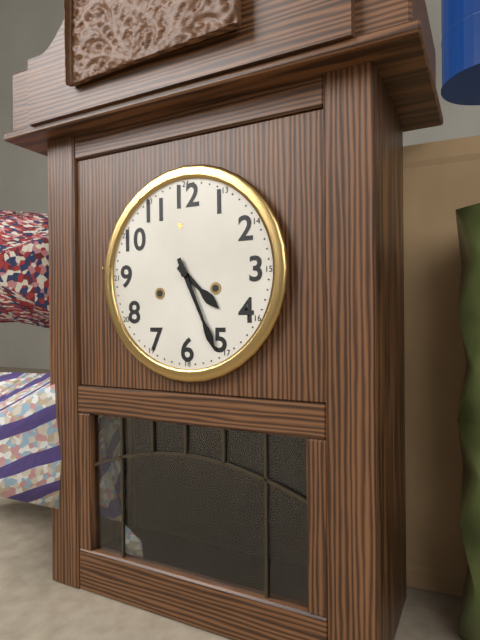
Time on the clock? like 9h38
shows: 4h26
